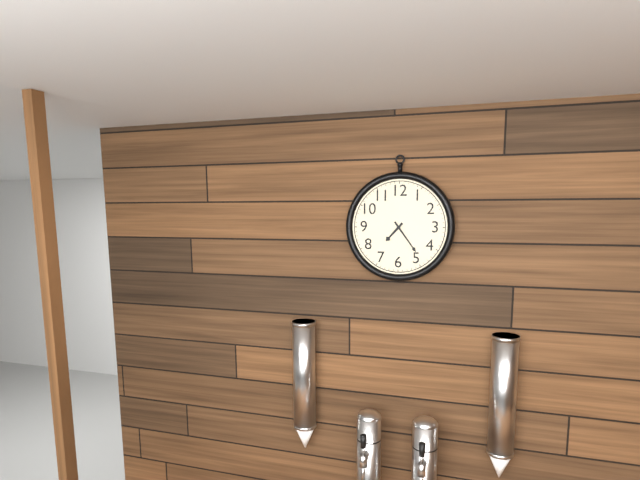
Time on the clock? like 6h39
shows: 7h24
